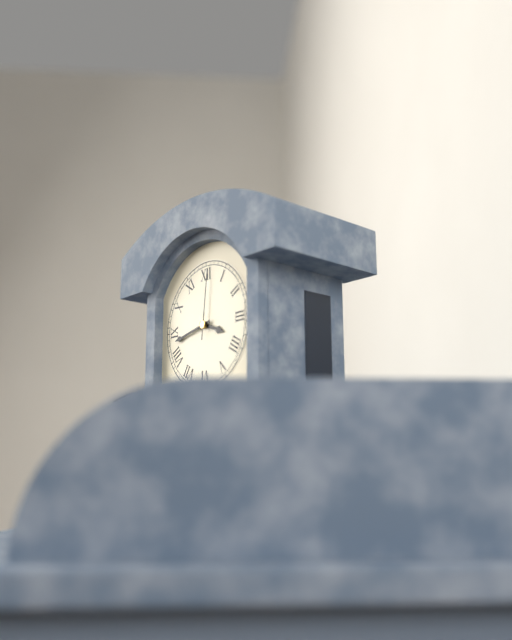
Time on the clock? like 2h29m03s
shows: 3h43m01s
